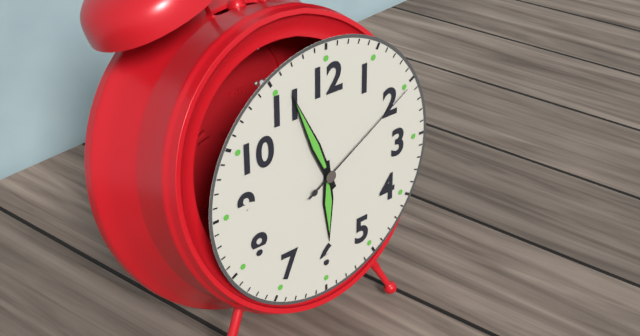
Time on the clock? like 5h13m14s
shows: 5h56m10s
